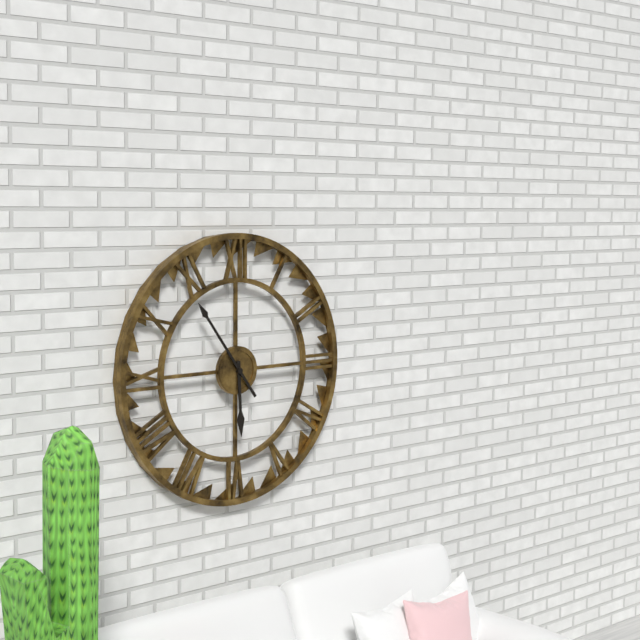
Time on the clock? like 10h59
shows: 5h54
